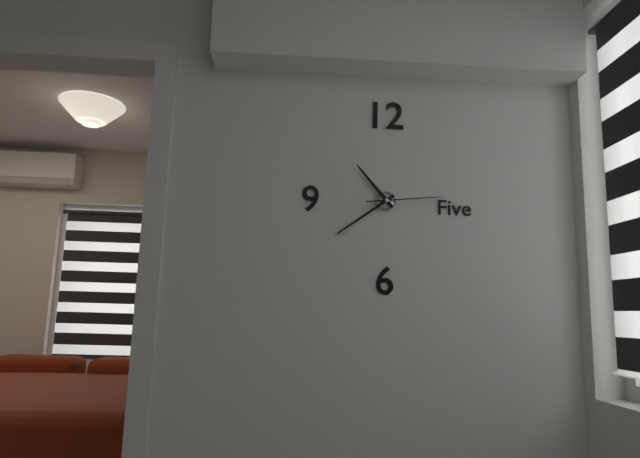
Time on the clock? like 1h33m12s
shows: 10h39m14s
